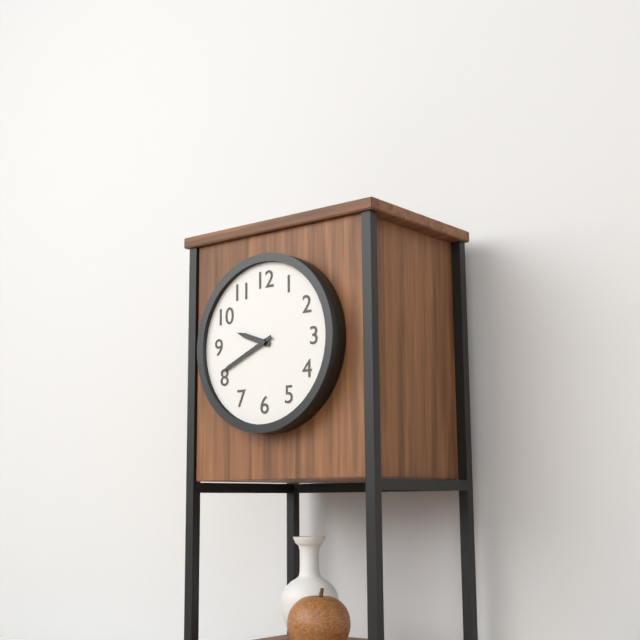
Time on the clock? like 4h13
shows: 9h41
